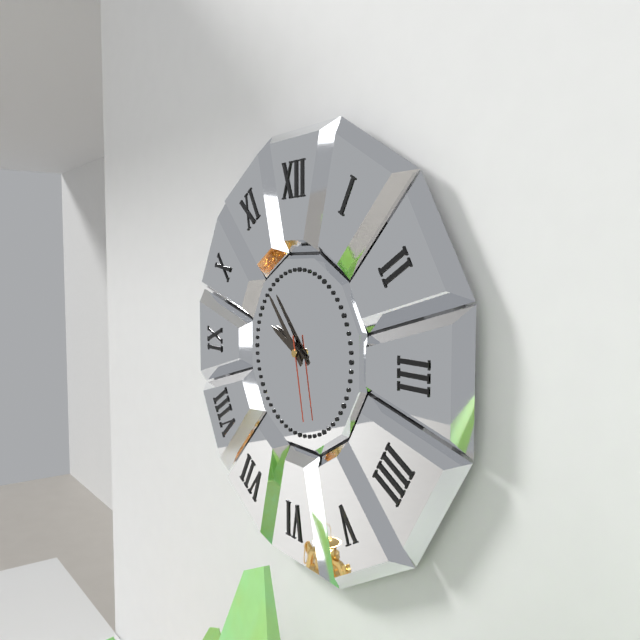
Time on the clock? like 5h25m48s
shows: 9h53m28s
